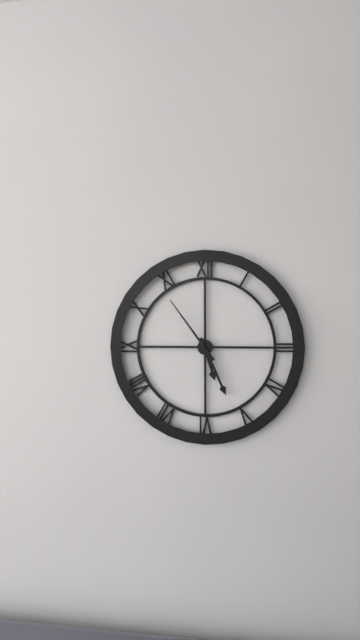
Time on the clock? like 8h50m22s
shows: 5h26m54s
